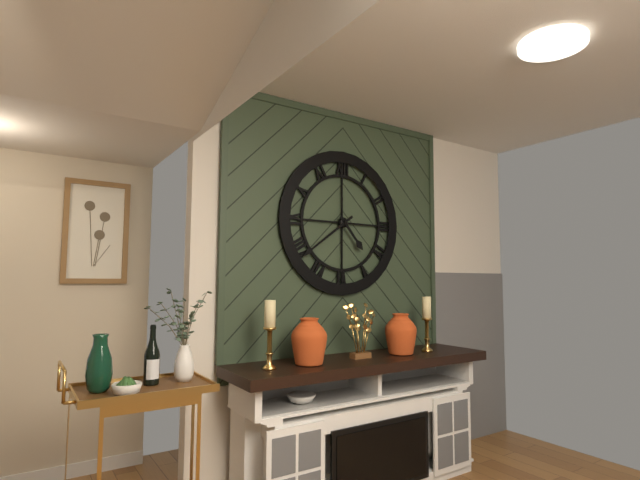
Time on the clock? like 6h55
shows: 4h39
